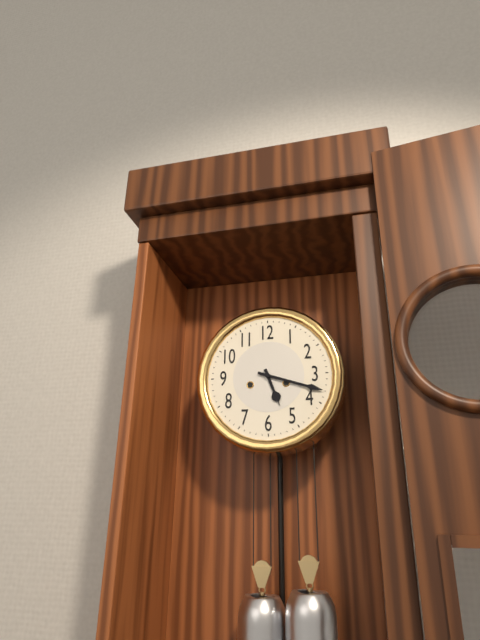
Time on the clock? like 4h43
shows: 5h18
